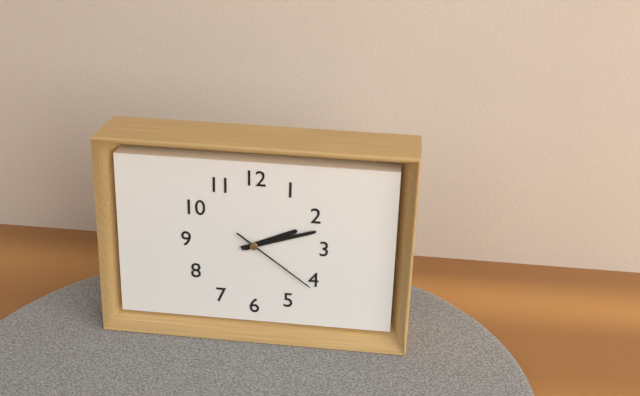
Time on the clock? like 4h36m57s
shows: 2h12m21s
